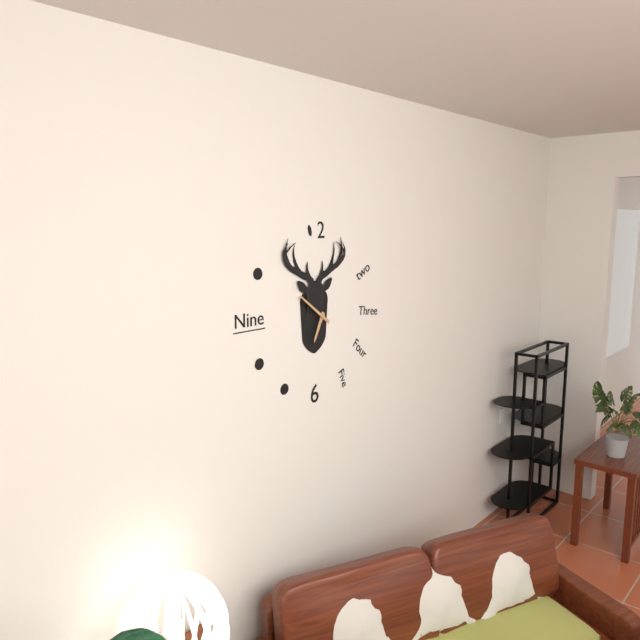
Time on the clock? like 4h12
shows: 6h51
